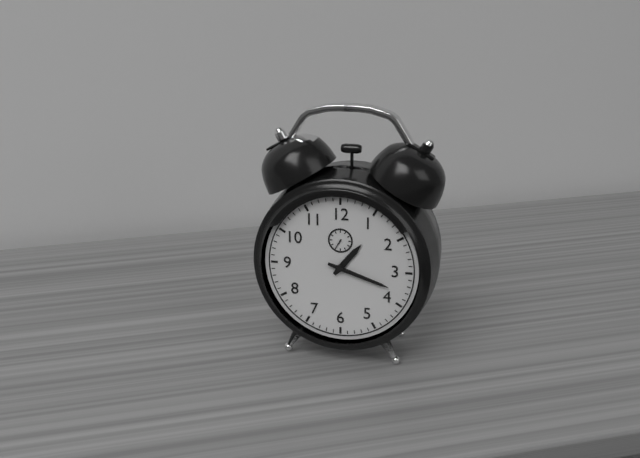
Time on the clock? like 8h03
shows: 1h18
